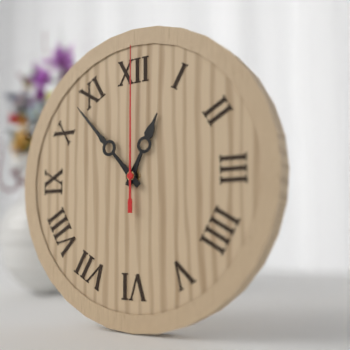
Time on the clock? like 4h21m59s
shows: 12h53m00s
